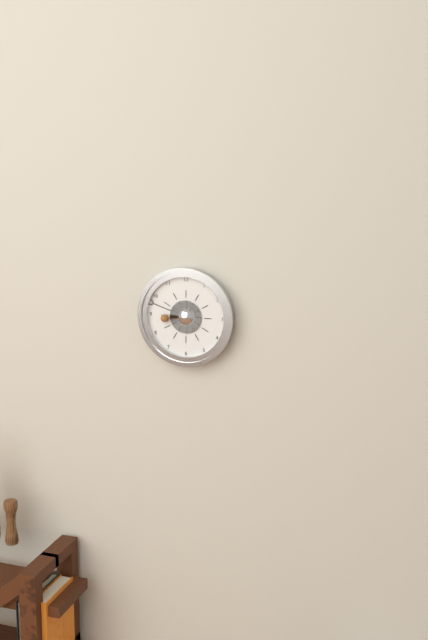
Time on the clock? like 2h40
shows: 8h48
